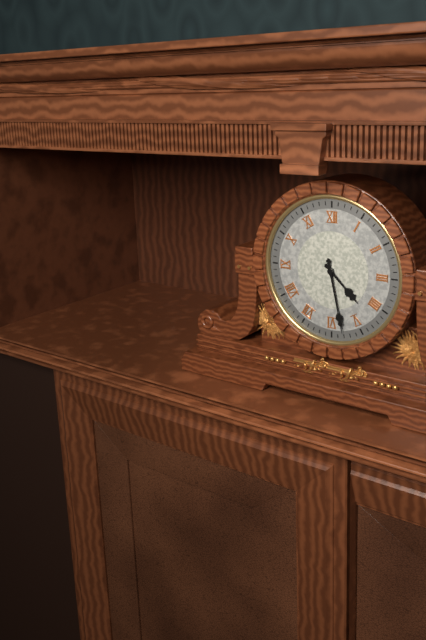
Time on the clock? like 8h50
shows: 4h28
